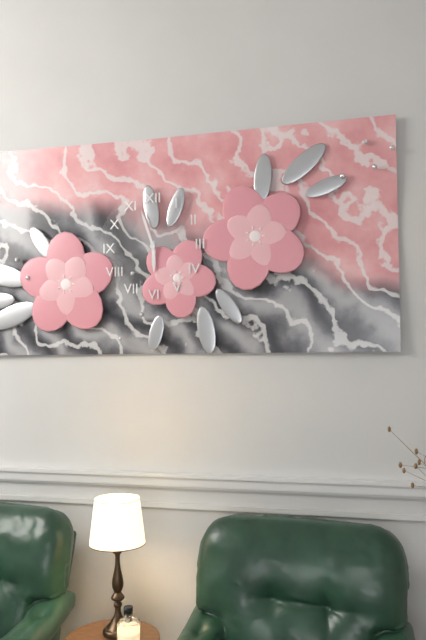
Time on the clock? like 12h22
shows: 5h57
